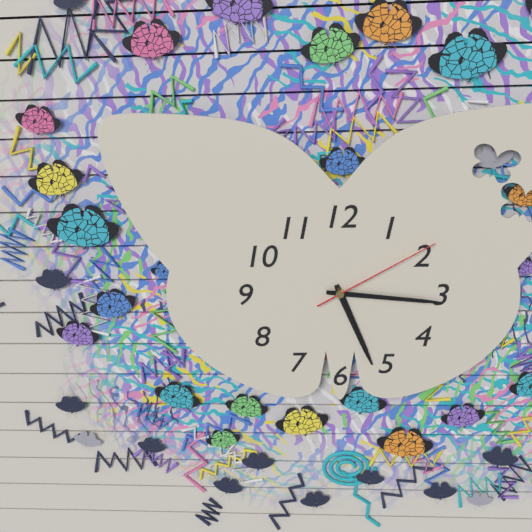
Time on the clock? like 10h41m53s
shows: 5h16m10s
